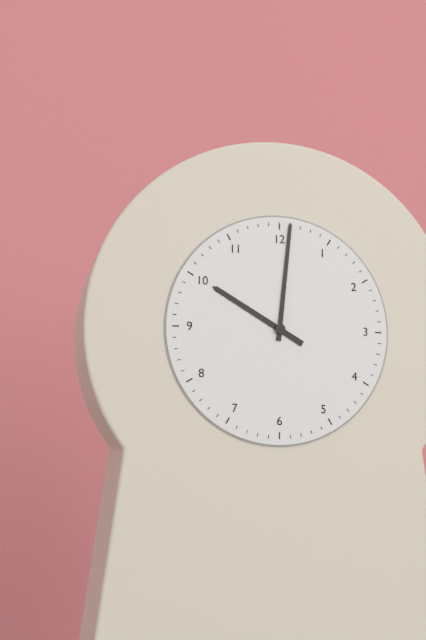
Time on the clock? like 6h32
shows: 10h01
